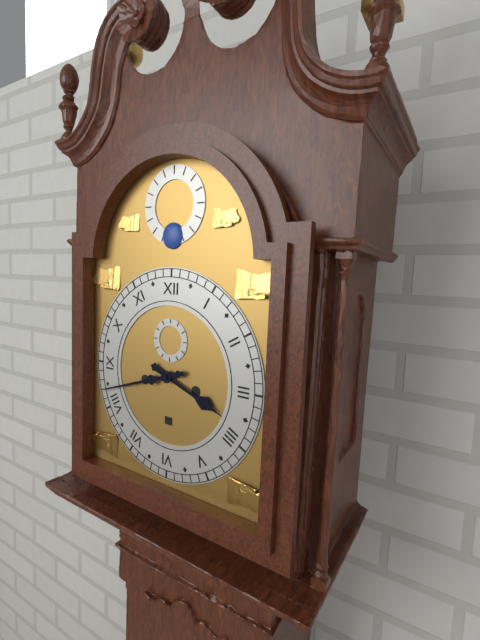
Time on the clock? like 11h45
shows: 3h42
